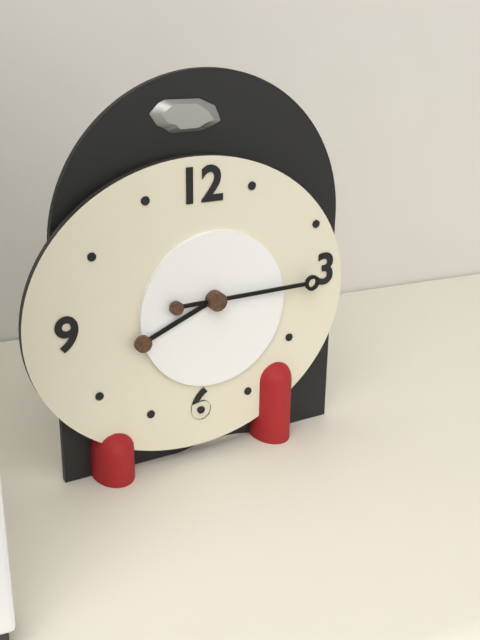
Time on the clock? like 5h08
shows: 8h15
